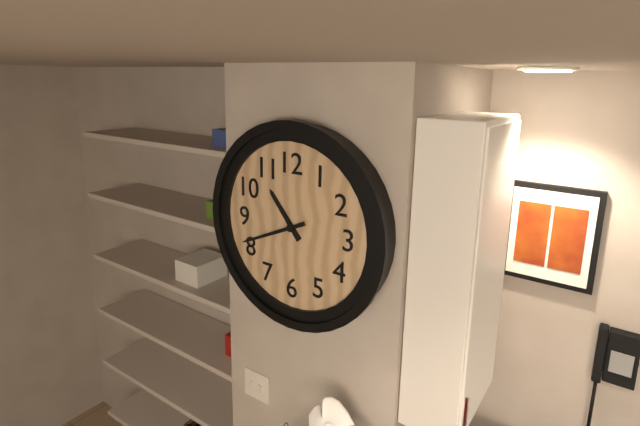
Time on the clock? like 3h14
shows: 10h41
